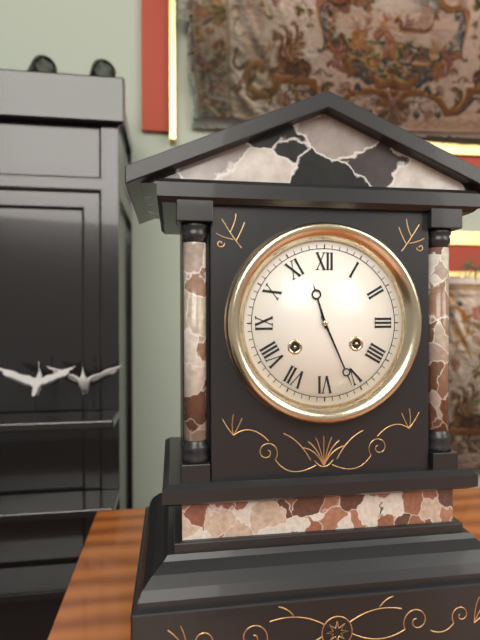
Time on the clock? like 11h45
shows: 11h26
